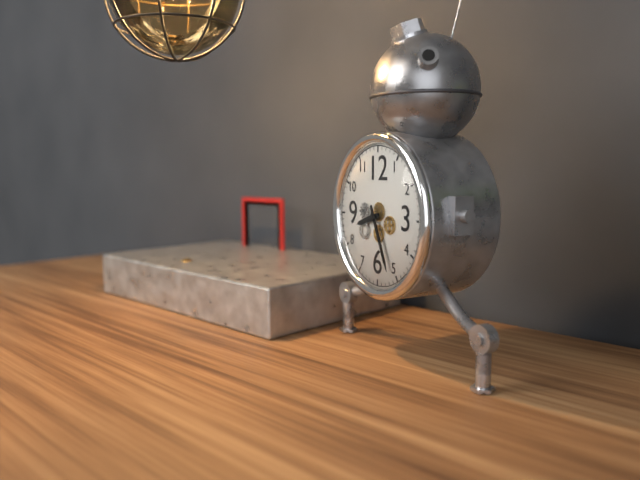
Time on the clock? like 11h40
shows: 8h26
